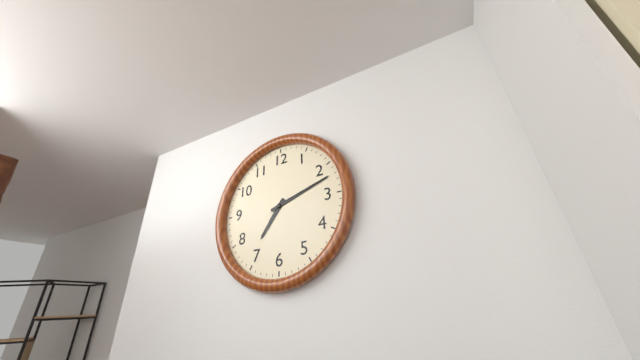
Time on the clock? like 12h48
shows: 7h12
